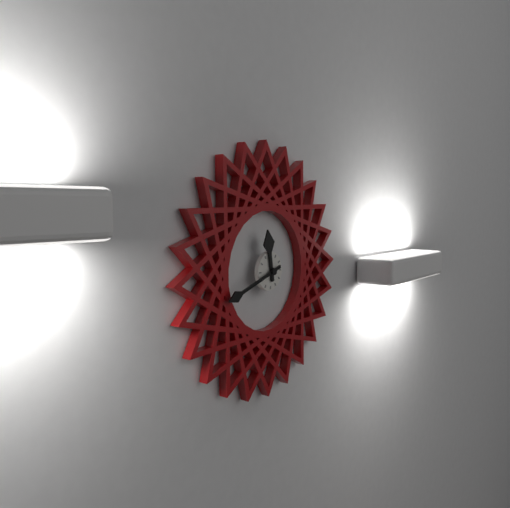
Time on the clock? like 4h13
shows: 11h42
